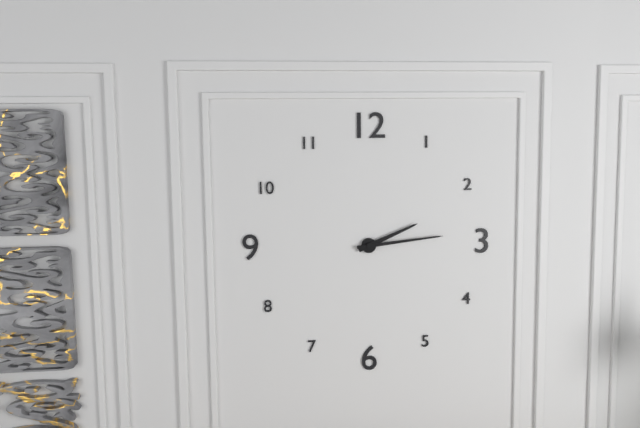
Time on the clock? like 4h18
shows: 2h14
